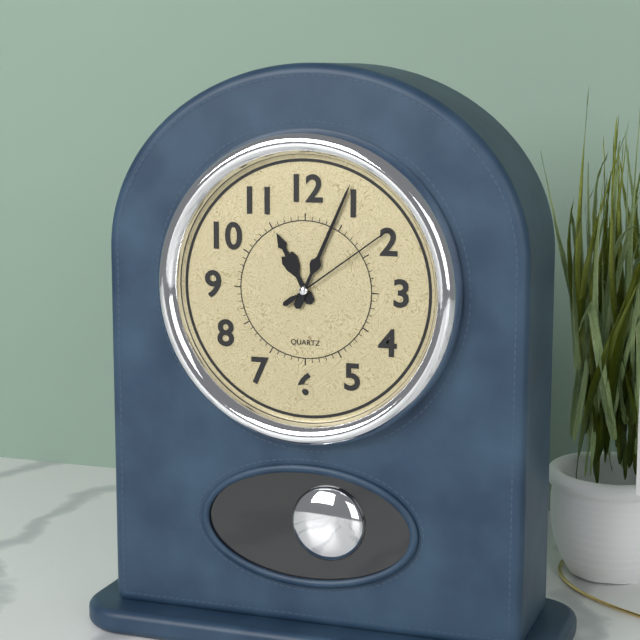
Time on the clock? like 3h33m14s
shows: 11h04m09s
